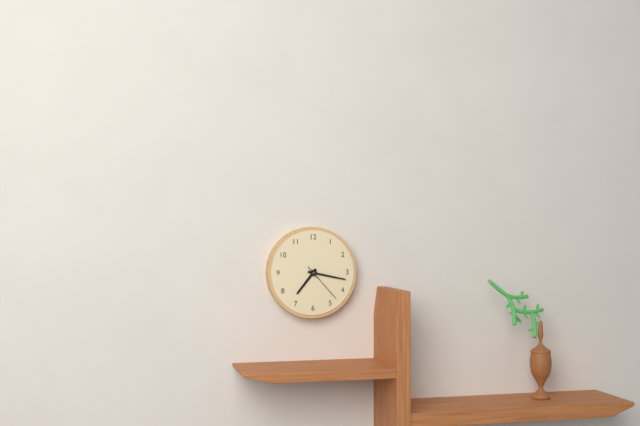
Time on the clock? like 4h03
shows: 7h17
